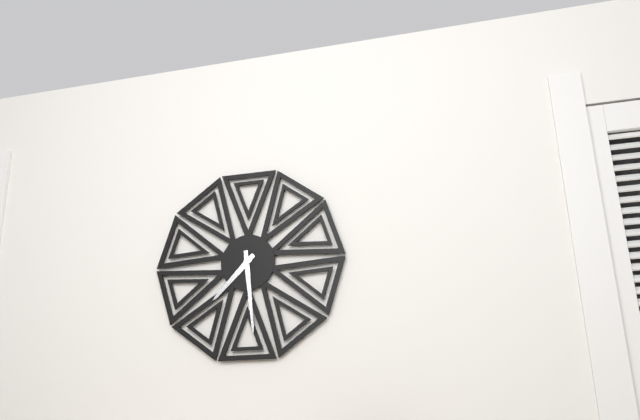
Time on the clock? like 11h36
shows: 7h29
